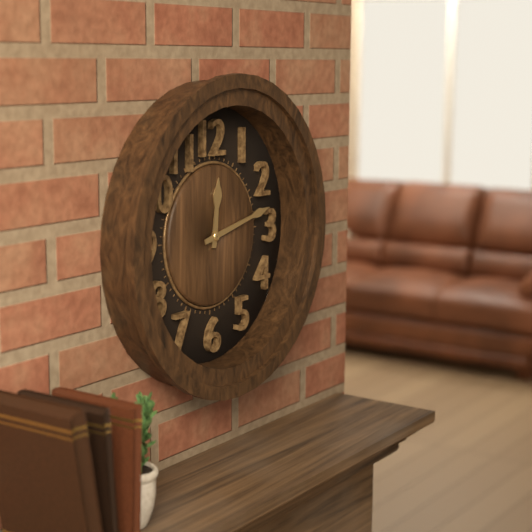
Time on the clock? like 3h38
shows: 12h13
